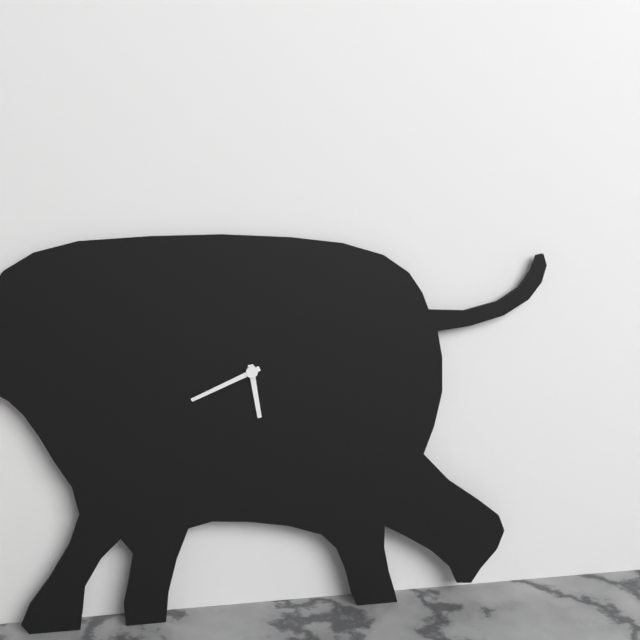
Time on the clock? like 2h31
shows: 5h41
